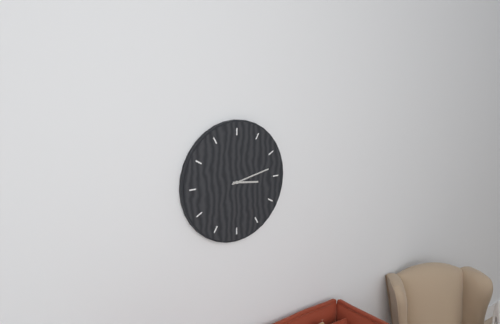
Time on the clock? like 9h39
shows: 3h13
